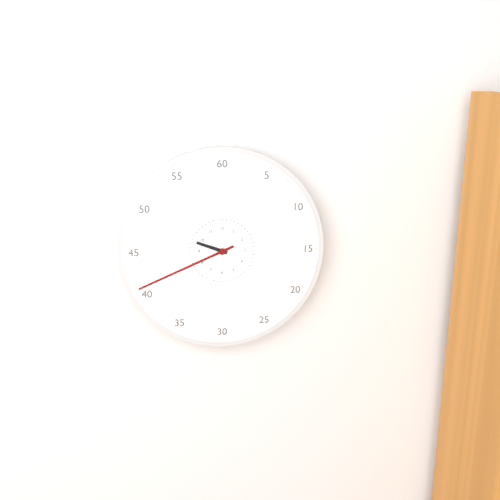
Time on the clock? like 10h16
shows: 9h41
